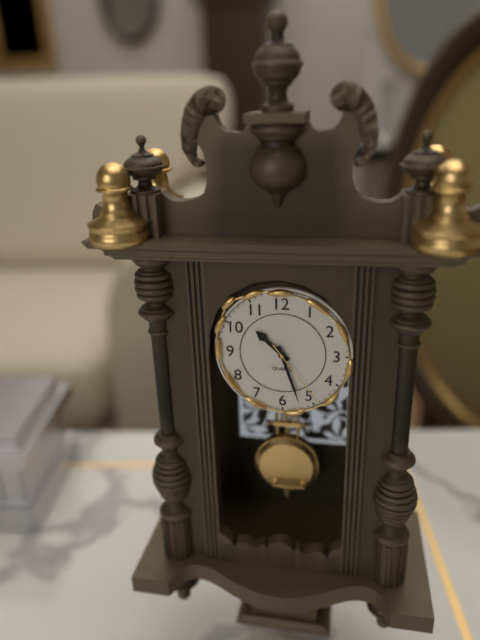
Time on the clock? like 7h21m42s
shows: 10h27m24s
